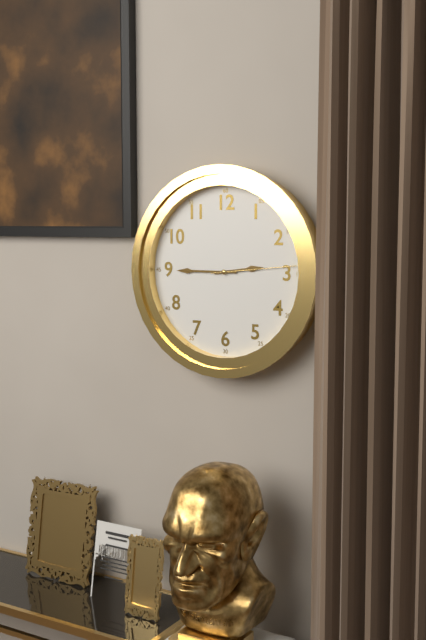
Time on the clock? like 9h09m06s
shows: 2h45m14s
